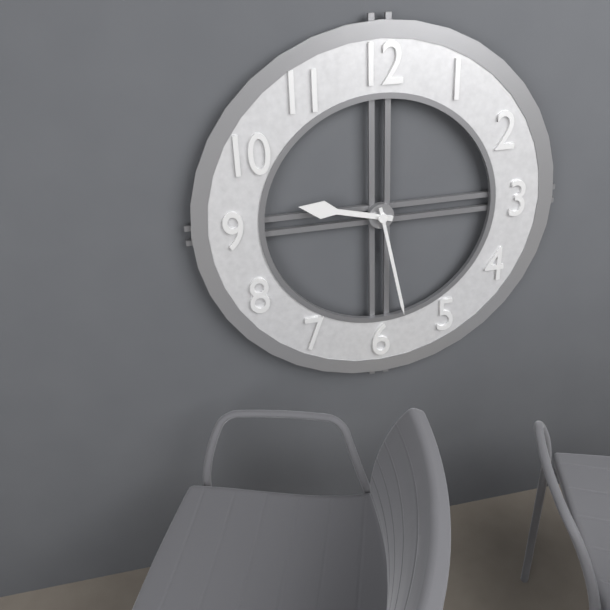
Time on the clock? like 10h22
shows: 9h28
